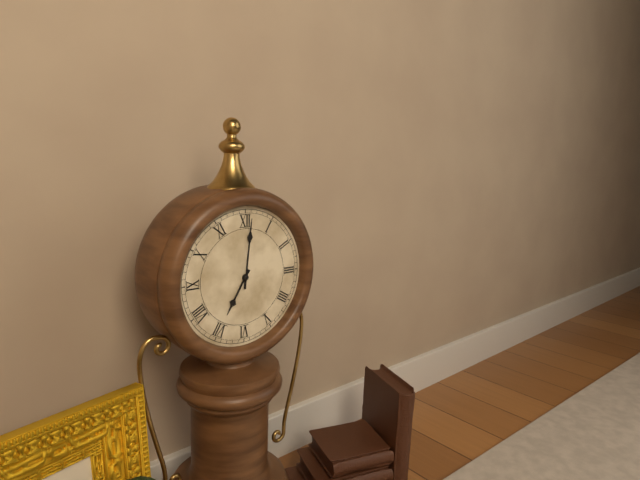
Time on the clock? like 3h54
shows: 7h01
